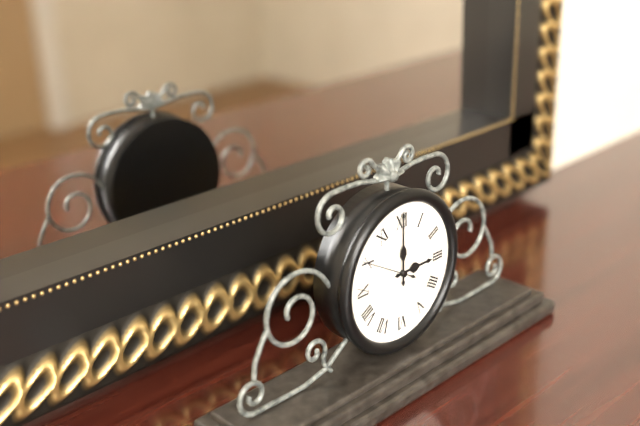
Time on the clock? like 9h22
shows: 3h00
